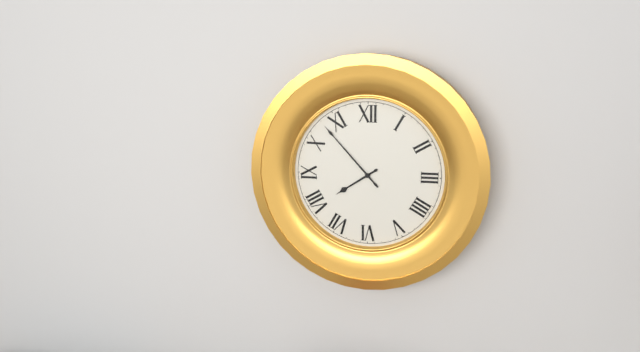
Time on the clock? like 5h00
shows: 7h53
